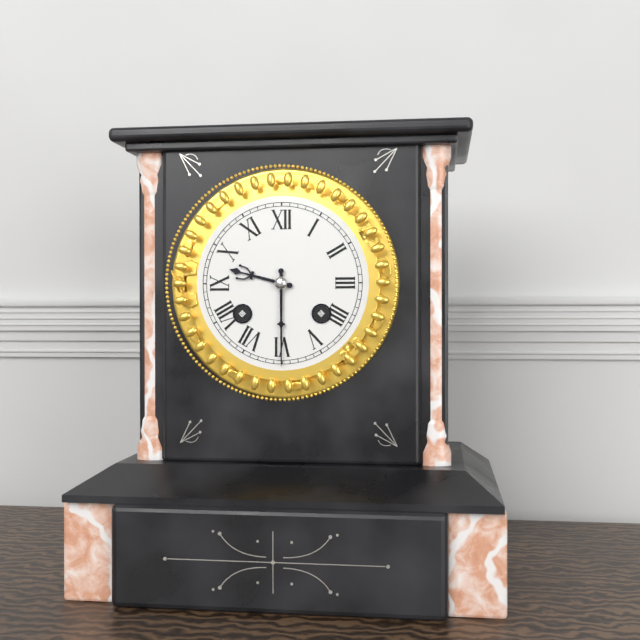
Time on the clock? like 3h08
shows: 9h30
